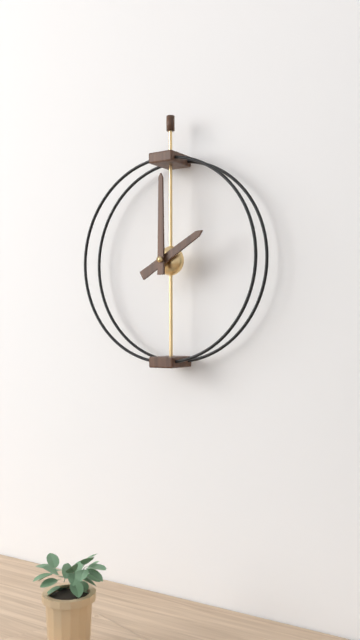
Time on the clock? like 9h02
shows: 2h00
